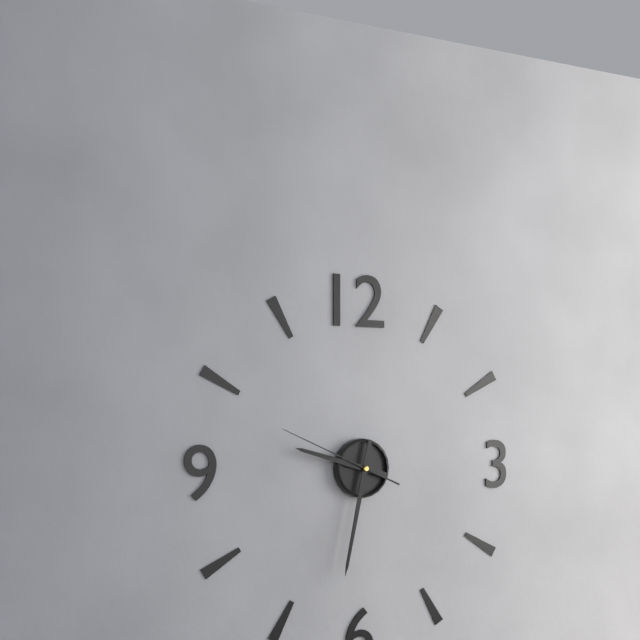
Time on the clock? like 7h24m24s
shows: 9h32m49s
